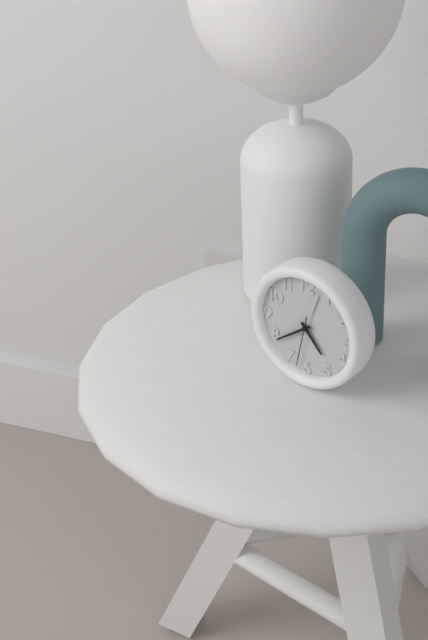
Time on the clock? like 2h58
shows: 4h39
